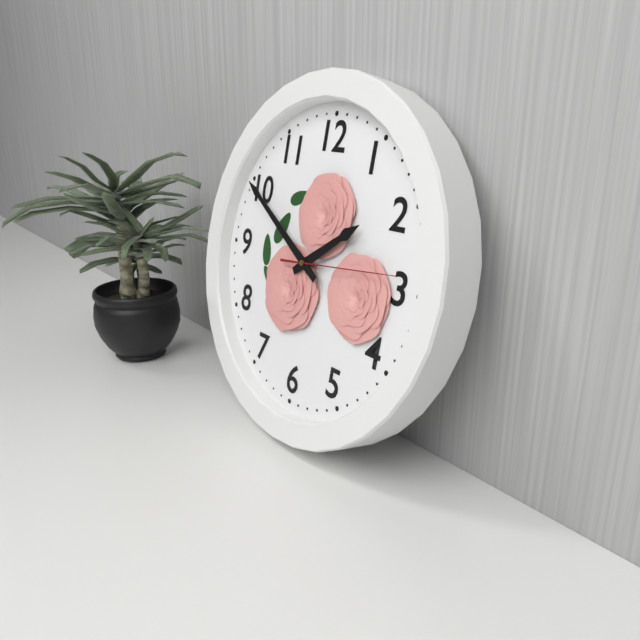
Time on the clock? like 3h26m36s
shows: 1h50m14s
